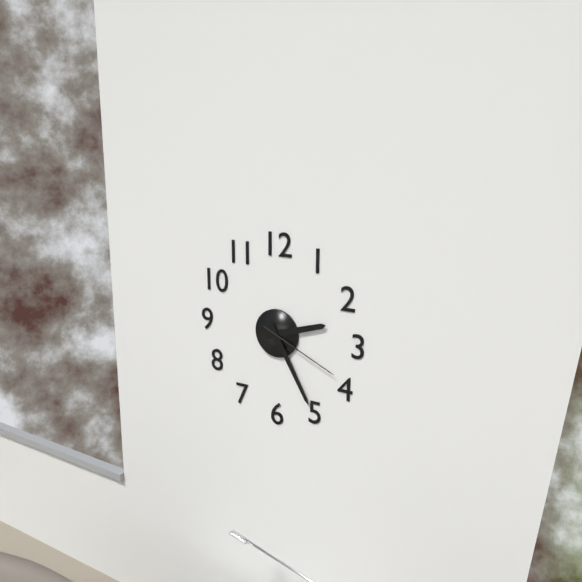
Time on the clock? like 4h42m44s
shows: 2h25m19s
